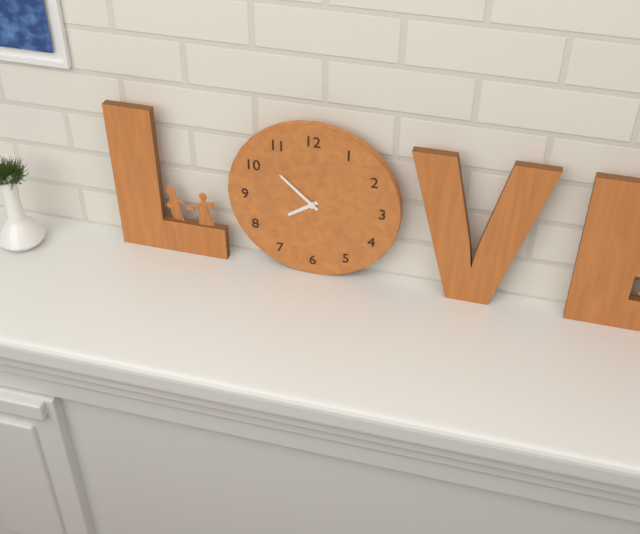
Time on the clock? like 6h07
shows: 7h52
